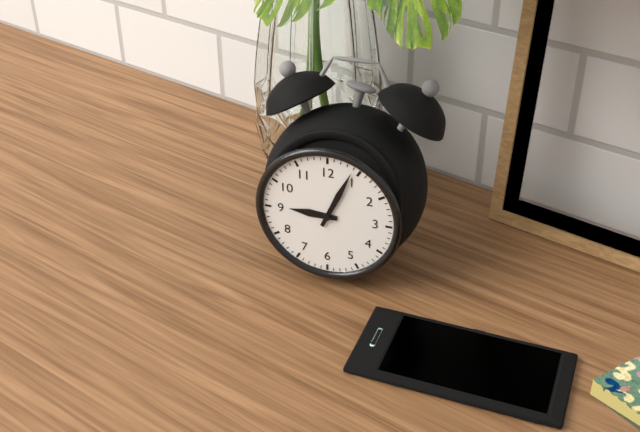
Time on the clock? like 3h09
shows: 9h04
